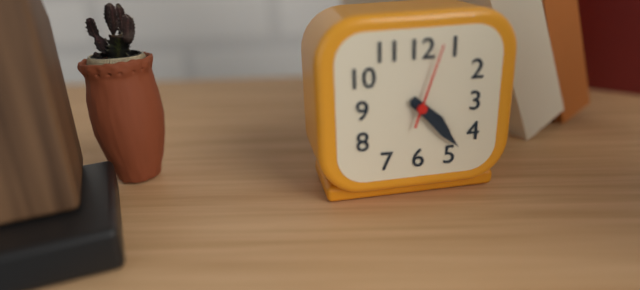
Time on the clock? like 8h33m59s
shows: 4h23m03s
